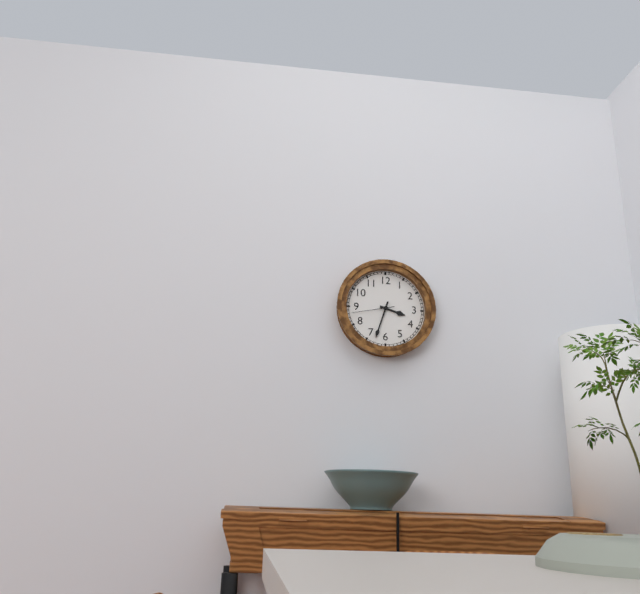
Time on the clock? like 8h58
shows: 3h33
